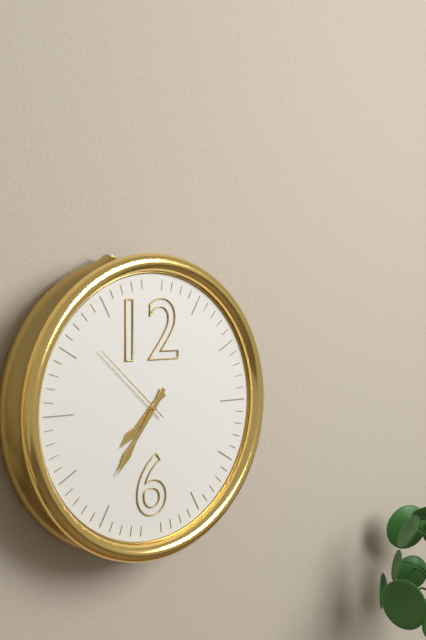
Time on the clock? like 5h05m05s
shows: 7h36m52s
